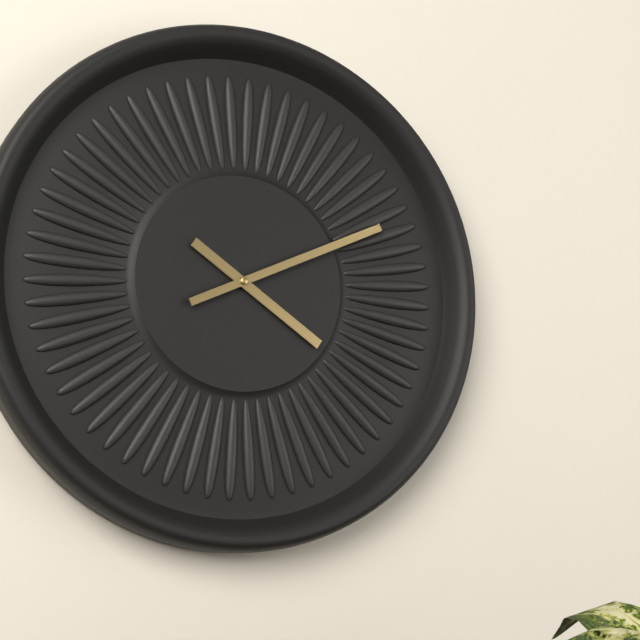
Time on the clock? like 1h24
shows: 4h11
